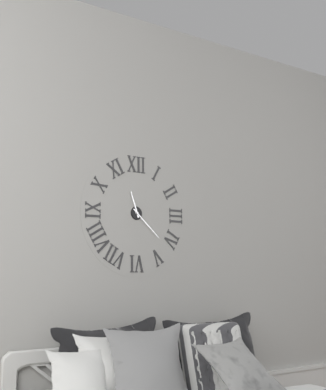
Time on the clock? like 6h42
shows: 11h22
